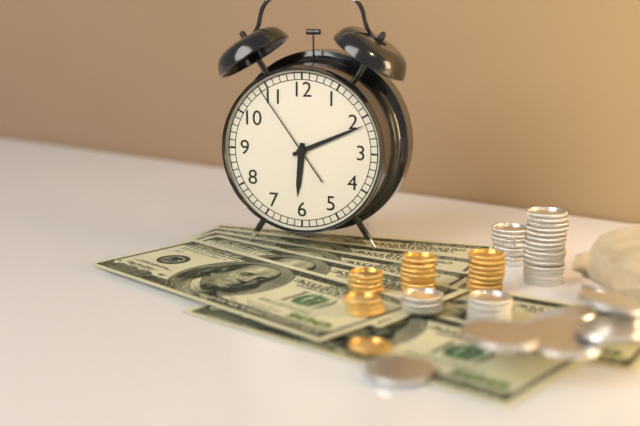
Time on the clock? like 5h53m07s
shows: 6h11m54s
